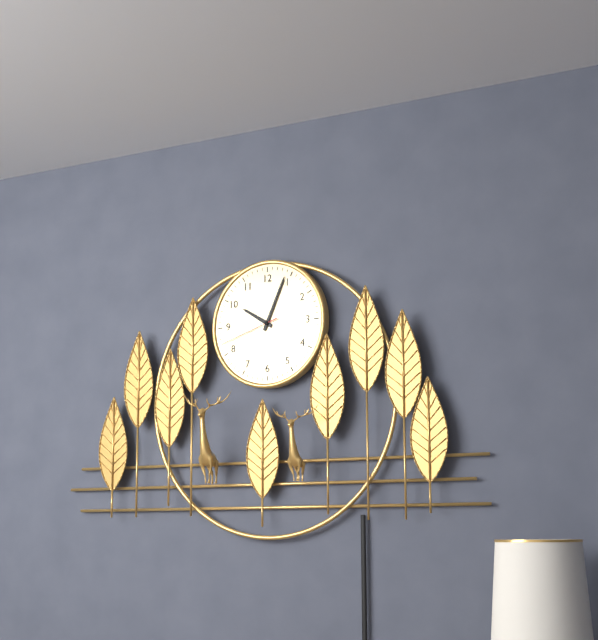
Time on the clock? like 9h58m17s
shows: 10h04m42s
